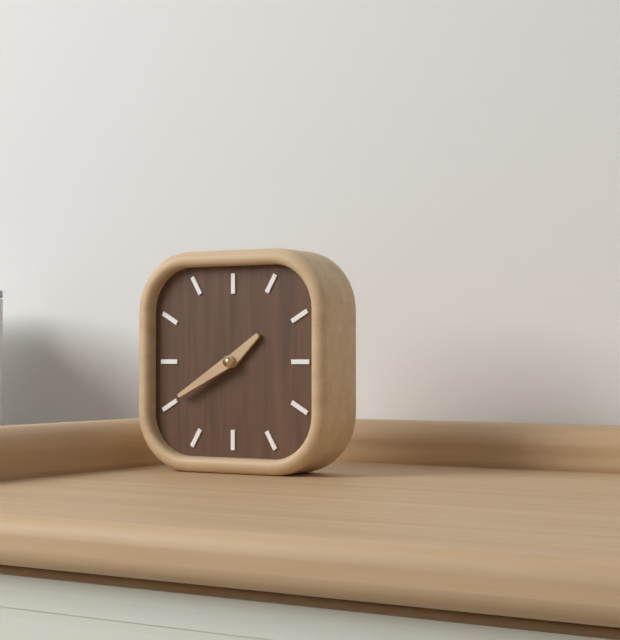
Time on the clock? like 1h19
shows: 1h40
